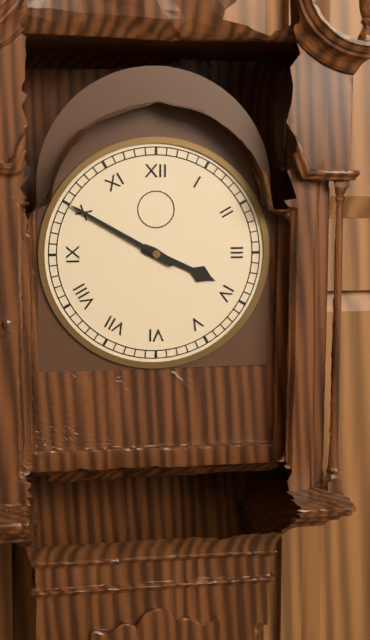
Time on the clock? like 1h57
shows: 3h50
